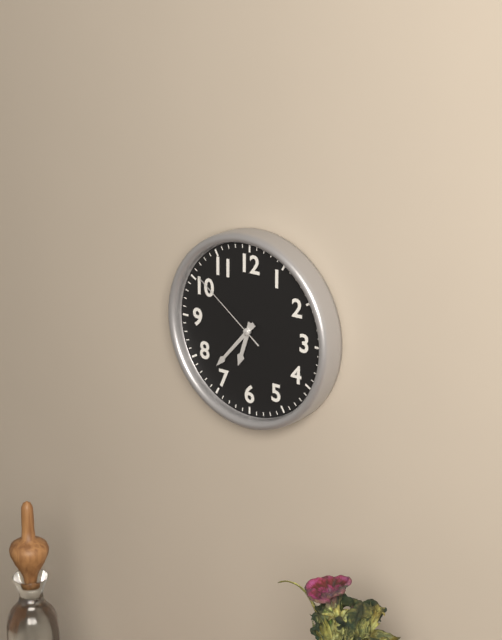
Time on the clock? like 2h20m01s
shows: 6h37m51s
